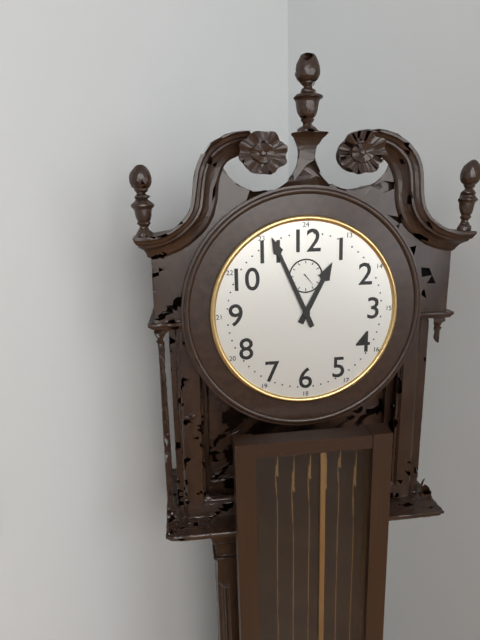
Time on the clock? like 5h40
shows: 12h56
